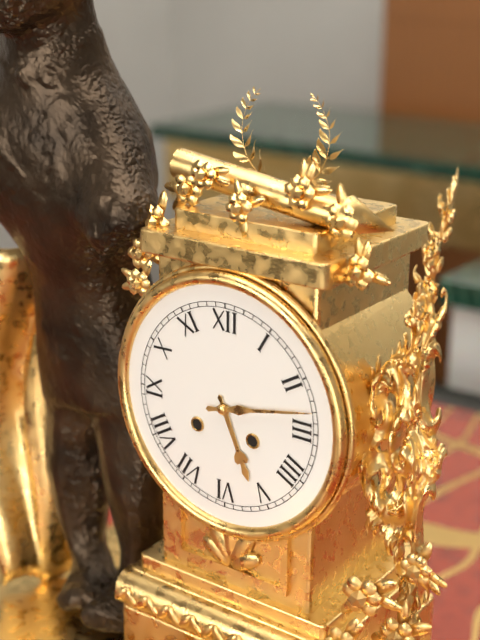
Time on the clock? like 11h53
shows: 5h13
